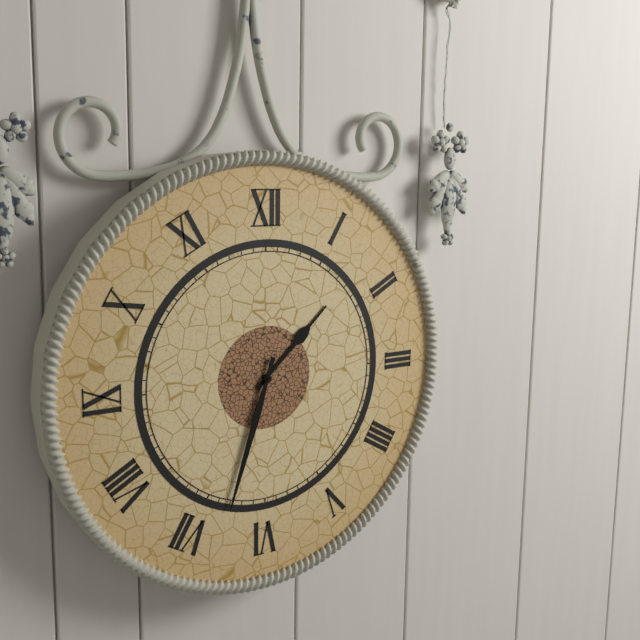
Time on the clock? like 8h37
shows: 1h33
